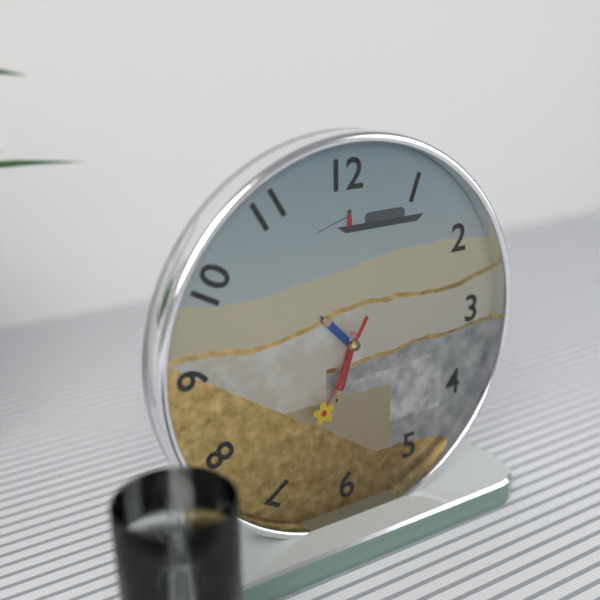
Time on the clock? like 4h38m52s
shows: 10h33m35s
